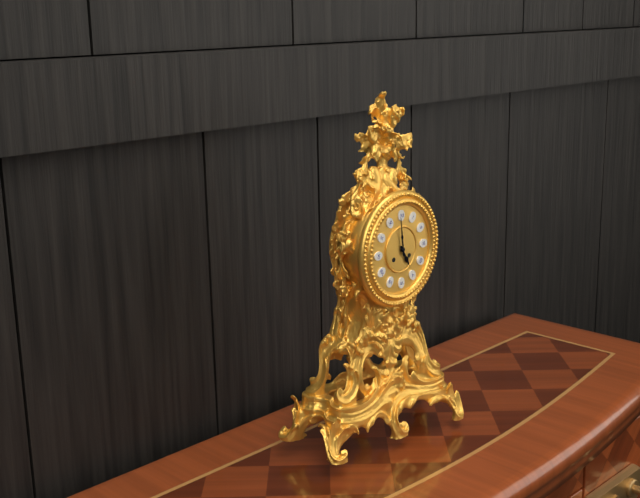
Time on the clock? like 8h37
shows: 4h59
